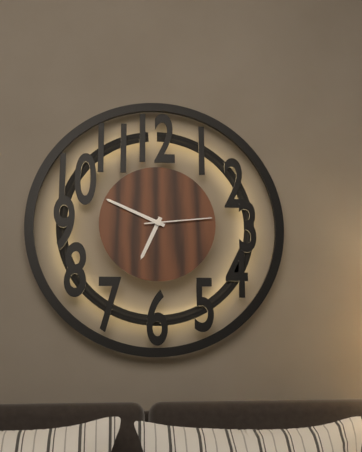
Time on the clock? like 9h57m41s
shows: 6h49m14s
